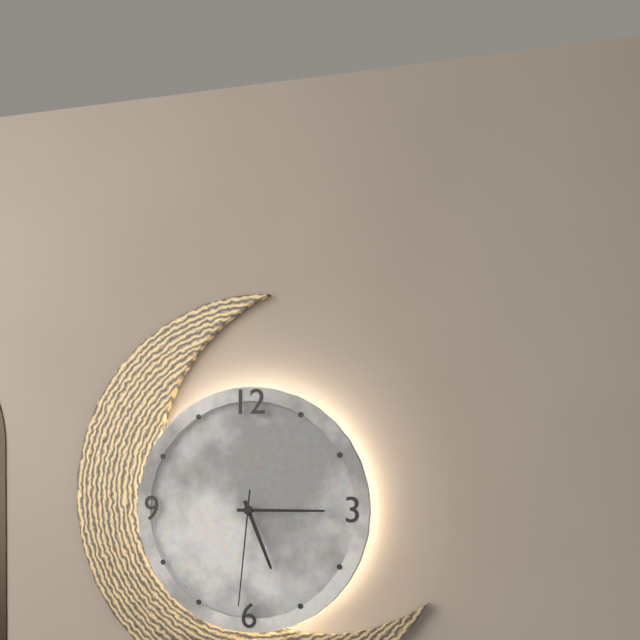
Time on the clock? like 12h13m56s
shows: 5h15m31s
